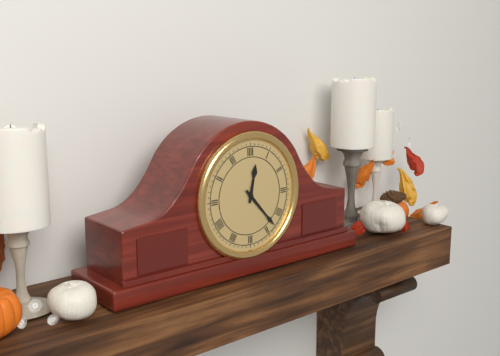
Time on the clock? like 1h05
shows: 12h23
